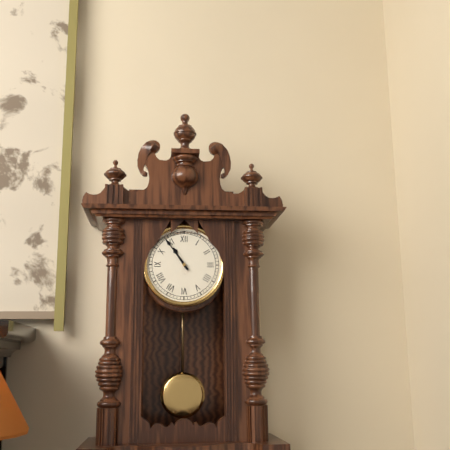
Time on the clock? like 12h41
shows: 10h54
